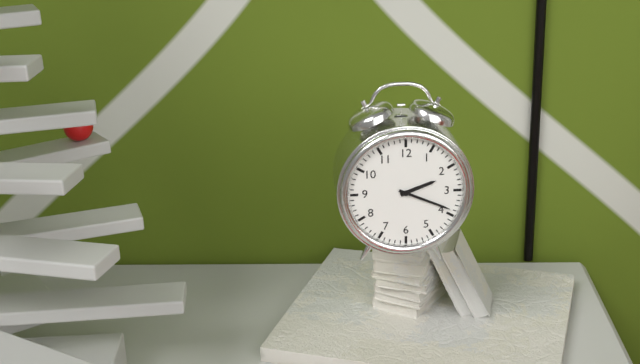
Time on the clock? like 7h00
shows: 2h19
